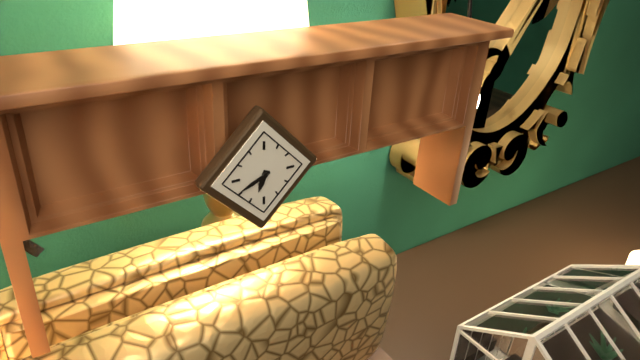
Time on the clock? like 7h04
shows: 6h41
